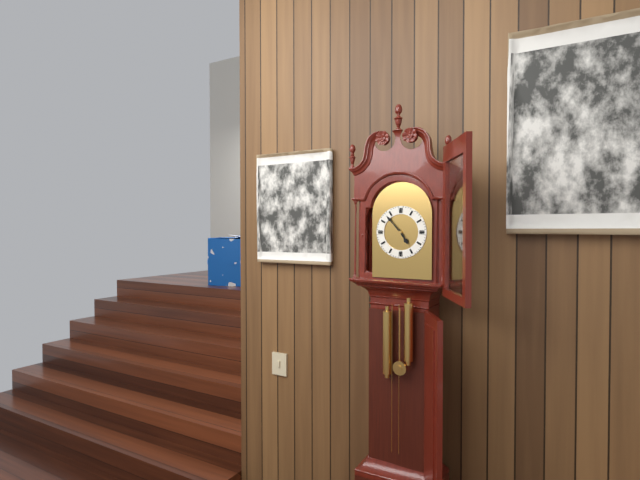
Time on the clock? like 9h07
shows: 4h53
